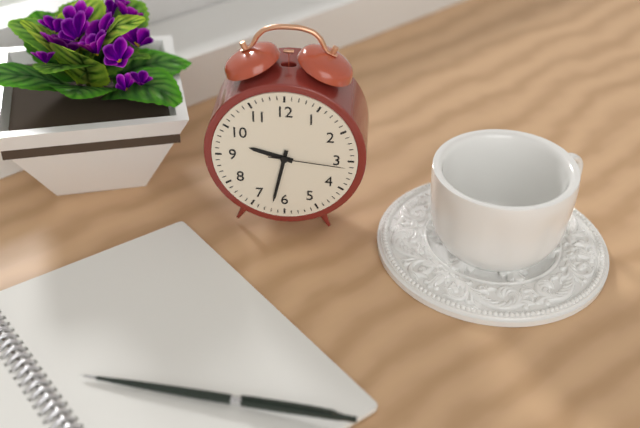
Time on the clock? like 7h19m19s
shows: 9h32m16s
